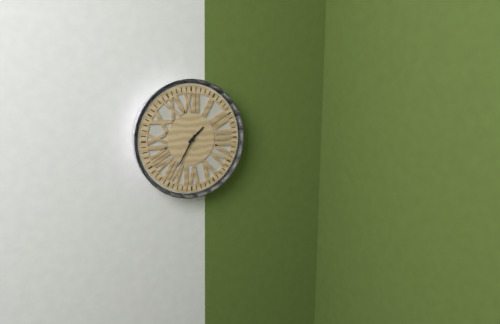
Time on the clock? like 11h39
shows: 1h35
